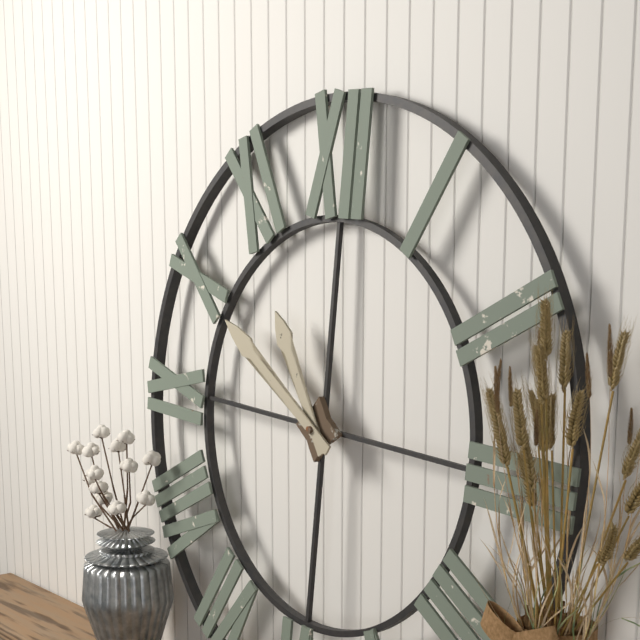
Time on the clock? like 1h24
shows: 10h50
